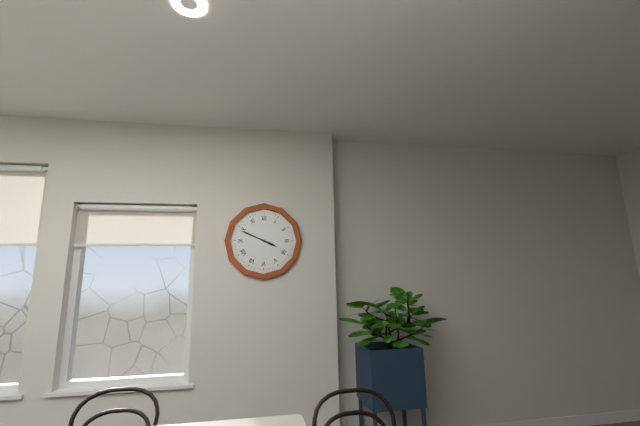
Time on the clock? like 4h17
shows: 3h49
